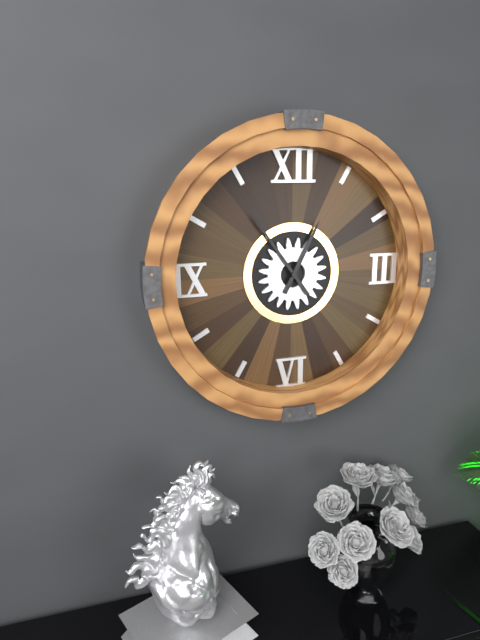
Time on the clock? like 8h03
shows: 12h54
